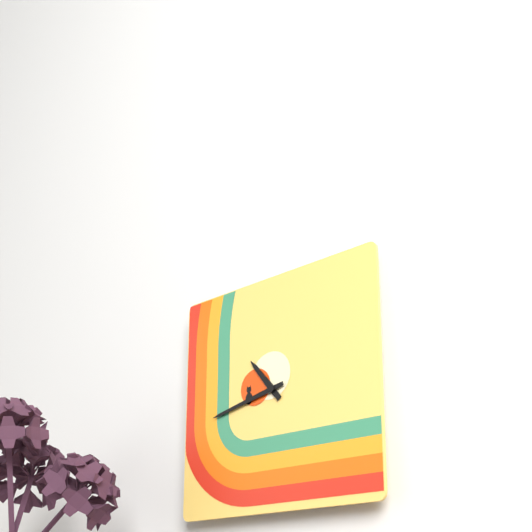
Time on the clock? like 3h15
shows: 10h43
